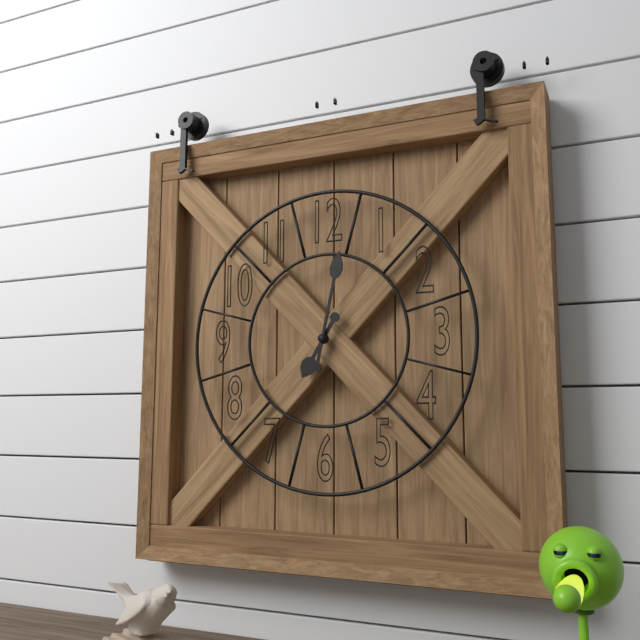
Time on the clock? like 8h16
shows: 7h02
